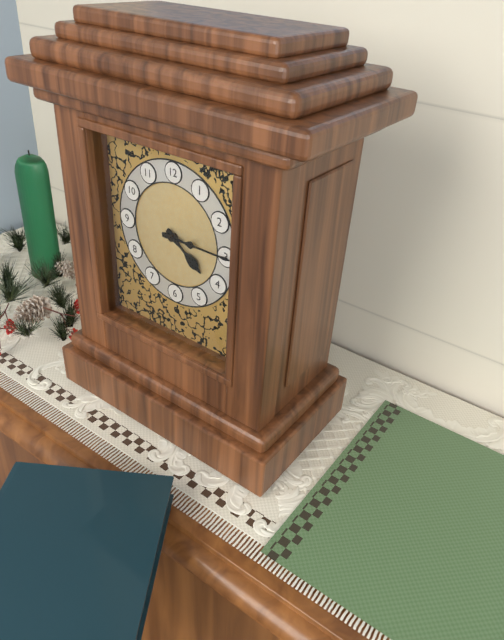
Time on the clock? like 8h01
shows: 4h15
